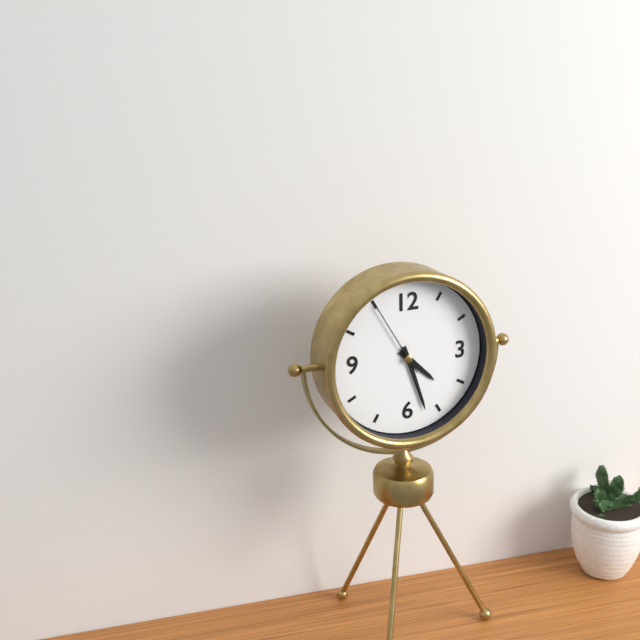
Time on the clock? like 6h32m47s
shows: 4h27m55s
